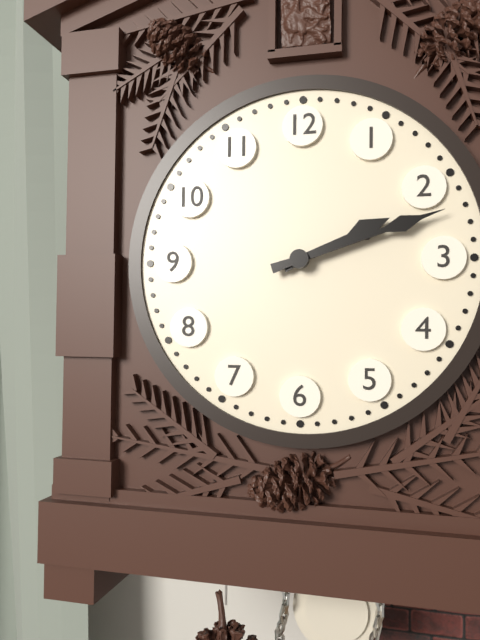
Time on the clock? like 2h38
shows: 2h12
